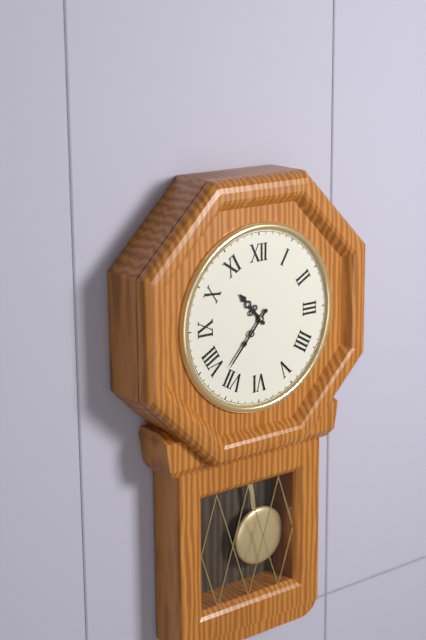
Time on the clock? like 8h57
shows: 10h37
